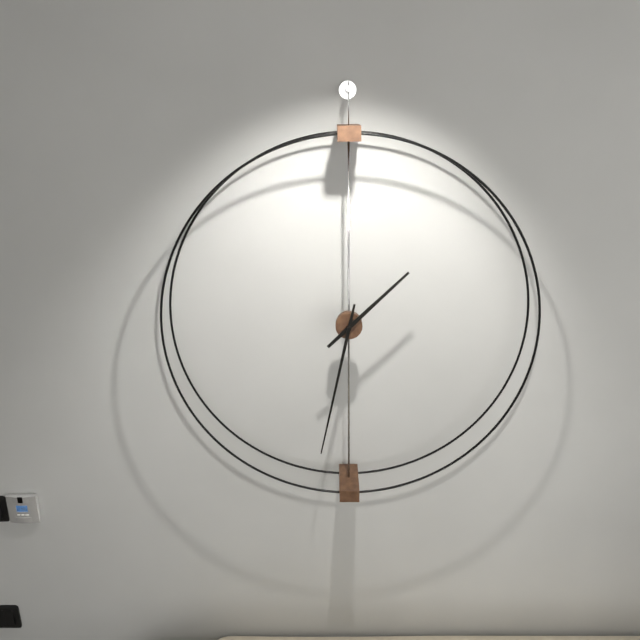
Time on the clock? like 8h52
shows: 1h32
